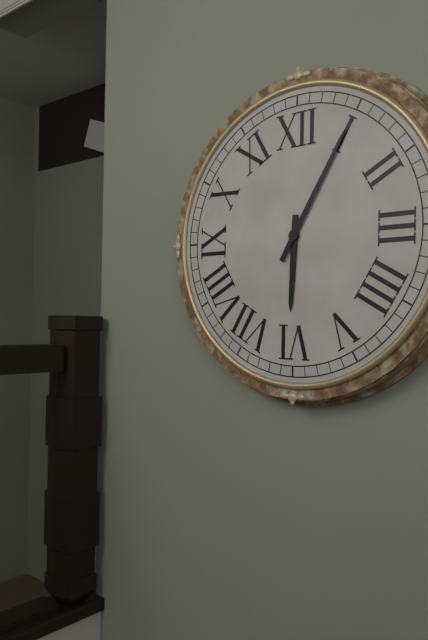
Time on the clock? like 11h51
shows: 6h05
